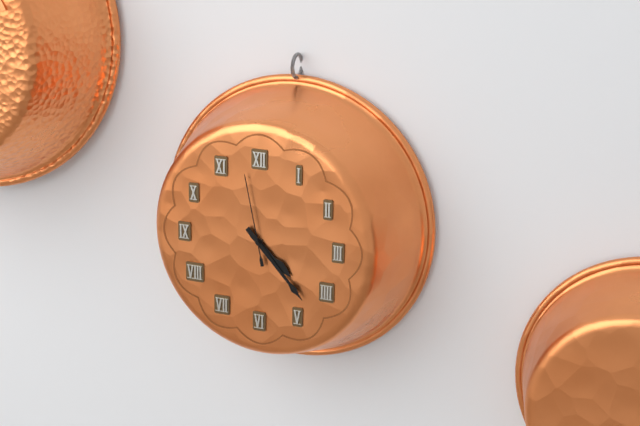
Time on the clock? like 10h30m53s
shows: 4h23m58s
